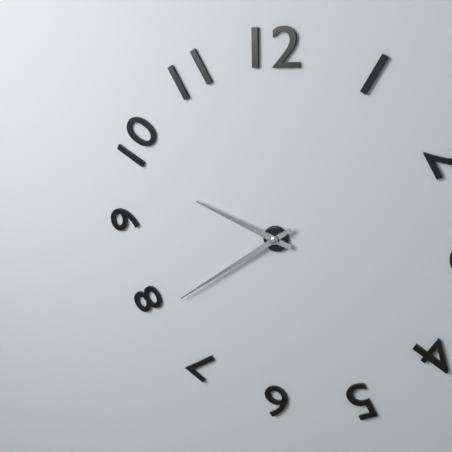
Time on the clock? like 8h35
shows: 9h39
